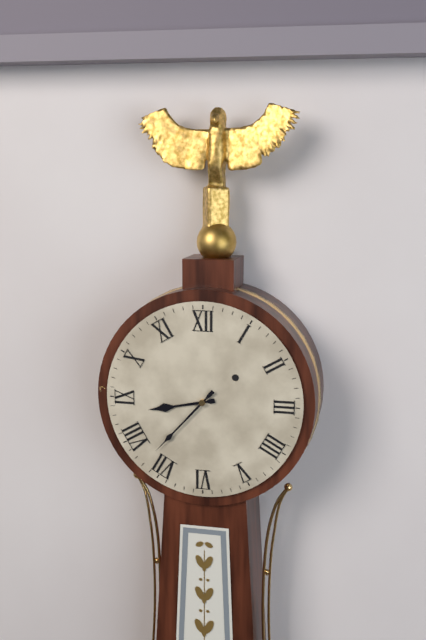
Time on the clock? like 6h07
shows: 8h37
